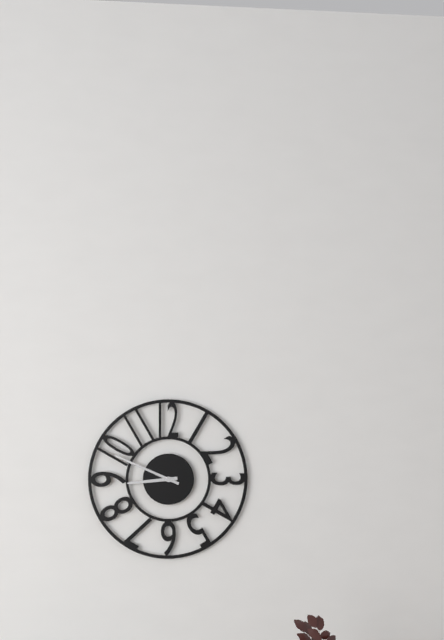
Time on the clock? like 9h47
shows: 8h49
